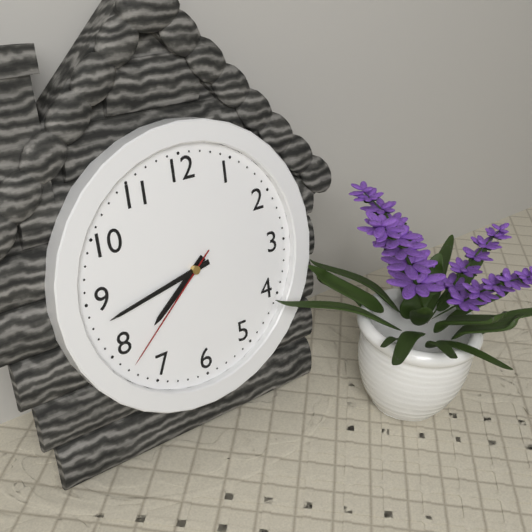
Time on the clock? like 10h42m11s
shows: 7h43m38s
